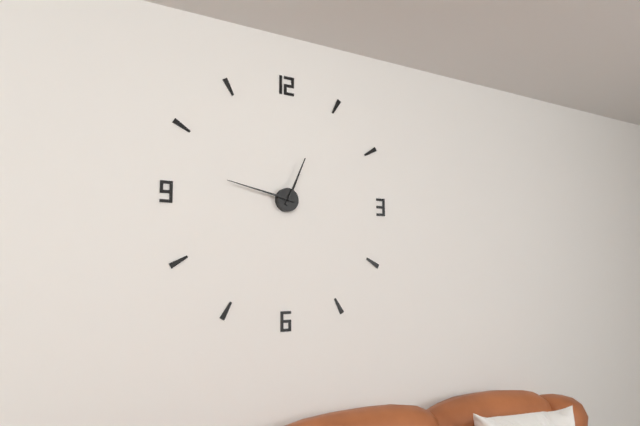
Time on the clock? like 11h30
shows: 12h47
